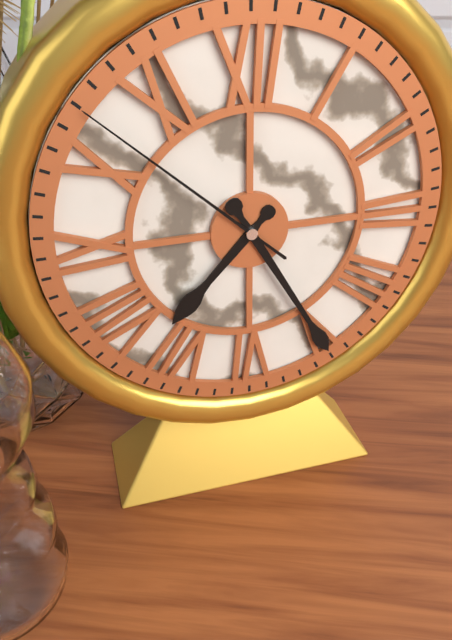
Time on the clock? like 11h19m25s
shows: 7h25m52s
